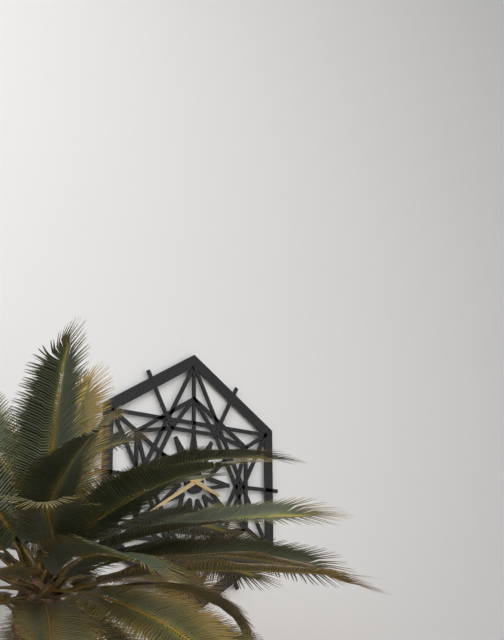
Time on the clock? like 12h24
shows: 3h40
